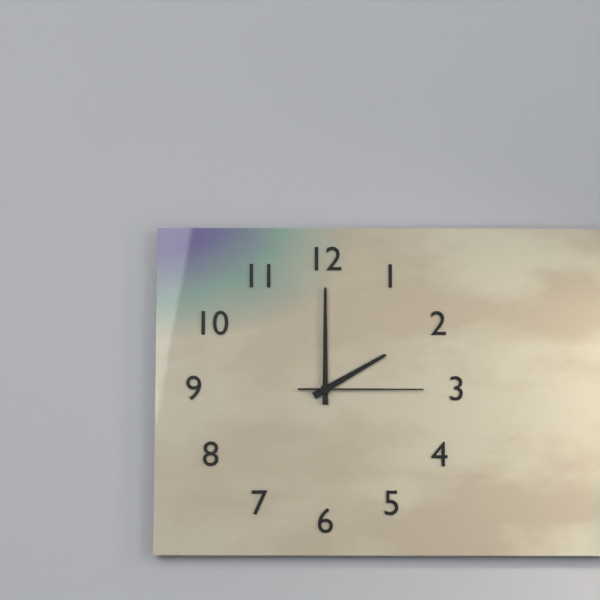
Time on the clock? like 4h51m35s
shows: 2h00m15s
